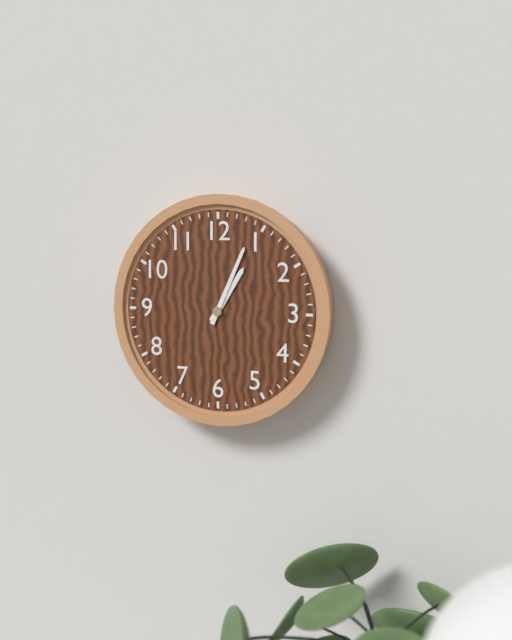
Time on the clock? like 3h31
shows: 1h04
